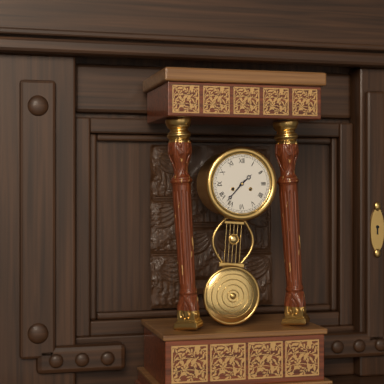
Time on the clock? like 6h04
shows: 1h37
